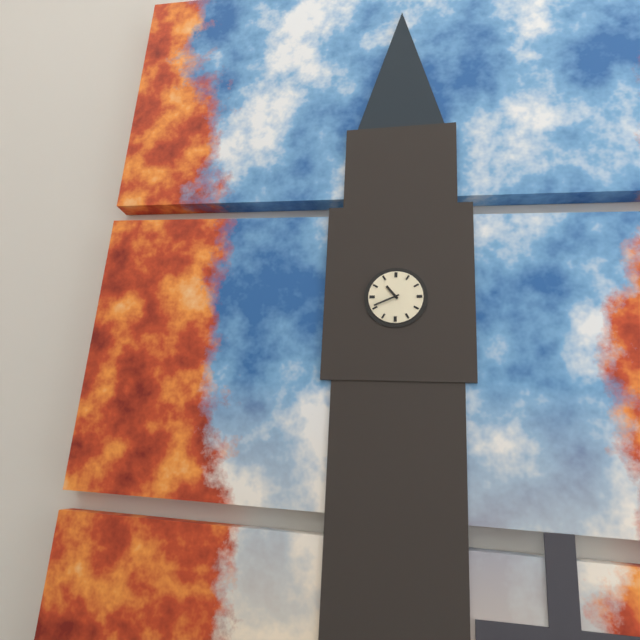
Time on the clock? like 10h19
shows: 10h41
